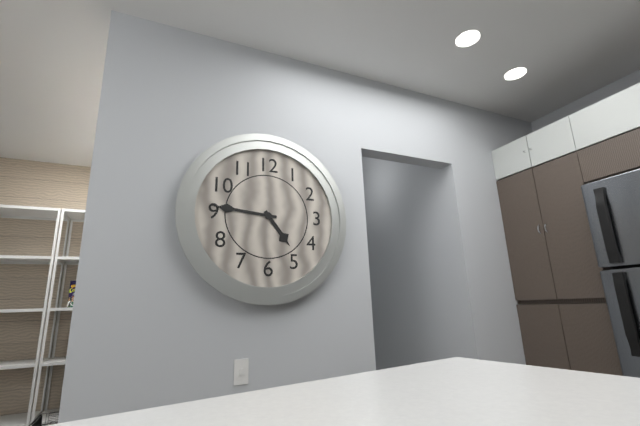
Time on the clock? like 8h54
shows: 4h46
